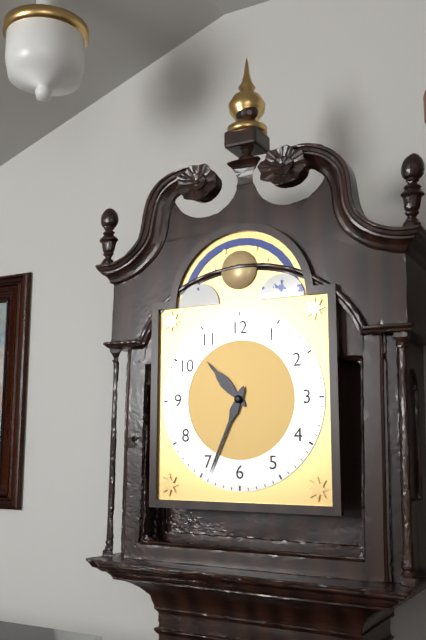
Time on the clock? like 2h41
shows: 10h34
